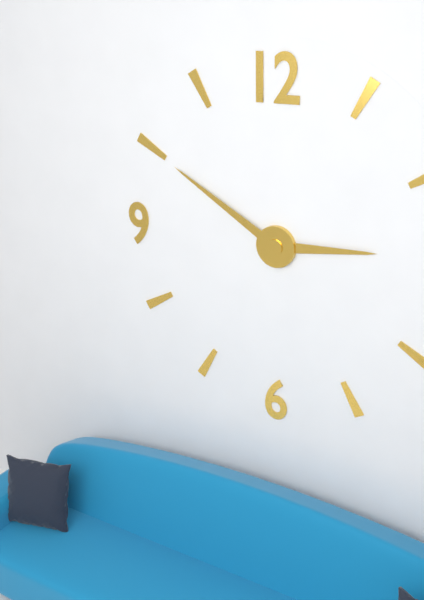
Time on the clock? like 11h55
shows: 2h50
